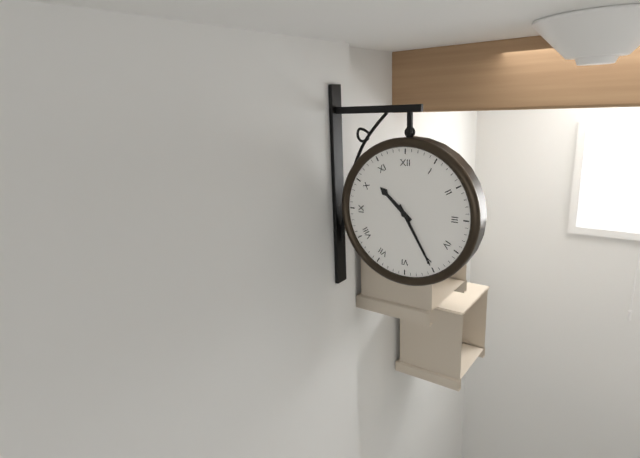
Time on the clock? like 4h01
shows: 10h25
